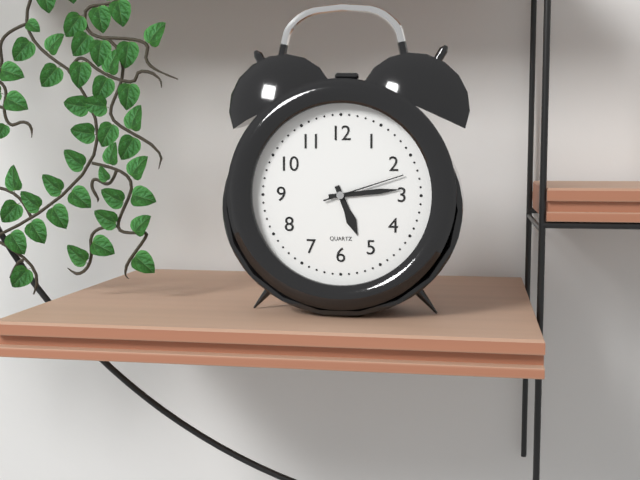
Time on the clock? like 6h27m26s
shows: 5h14m12s
